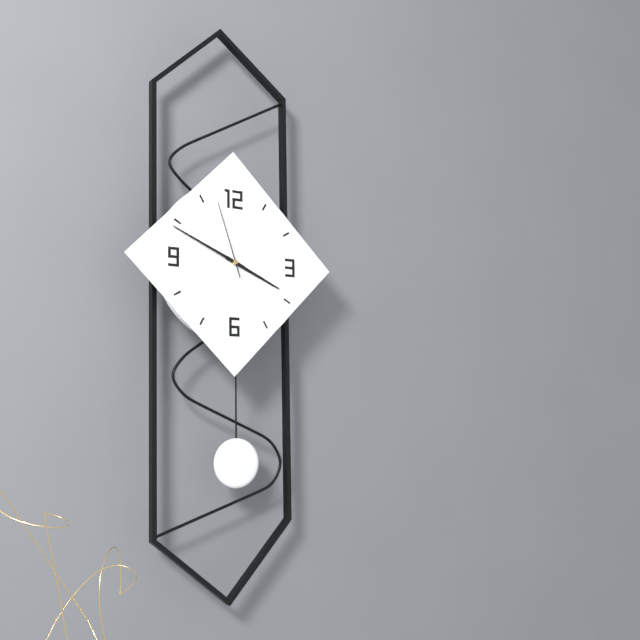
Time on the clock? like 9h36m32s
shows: 3h49m57s
